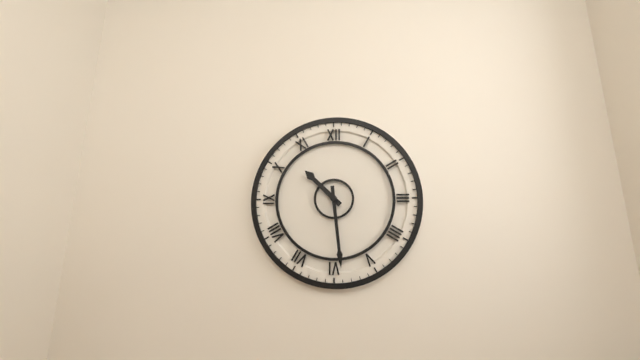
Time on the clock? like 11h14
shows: 10h29
